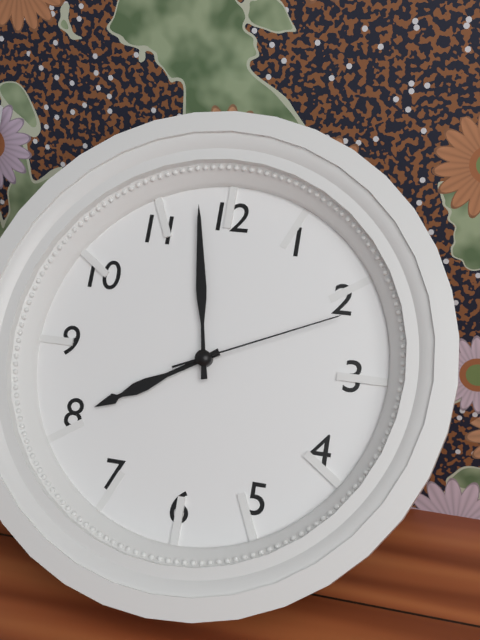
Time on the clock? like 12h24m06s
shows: 7h58m11s
